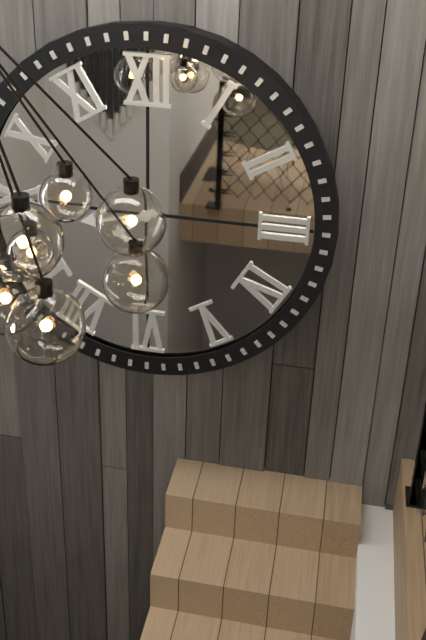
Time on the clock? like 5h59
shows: 7h43
